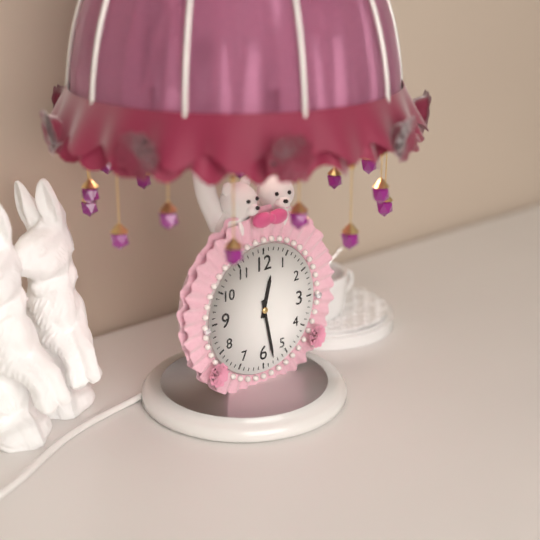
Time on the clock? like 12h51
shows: 12h28
